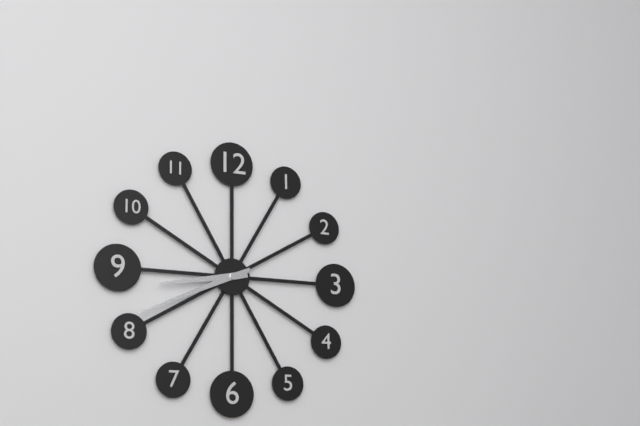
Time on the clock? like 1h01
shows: 8h41
